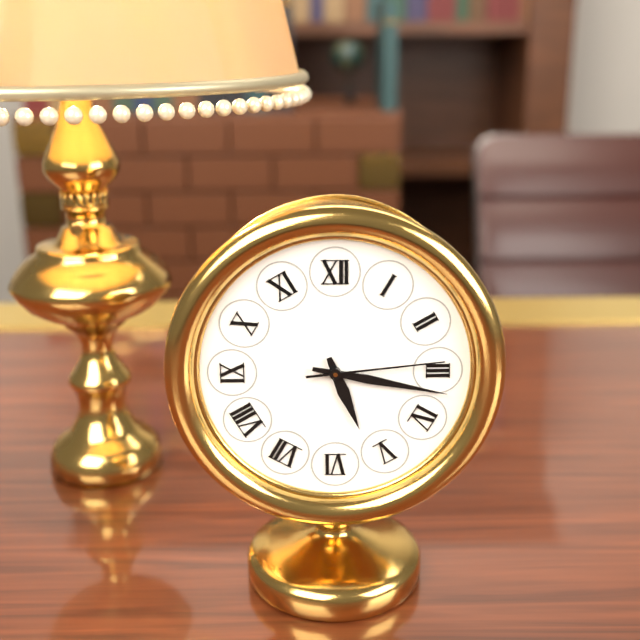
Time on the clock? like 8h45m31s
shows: 5h17m14s
